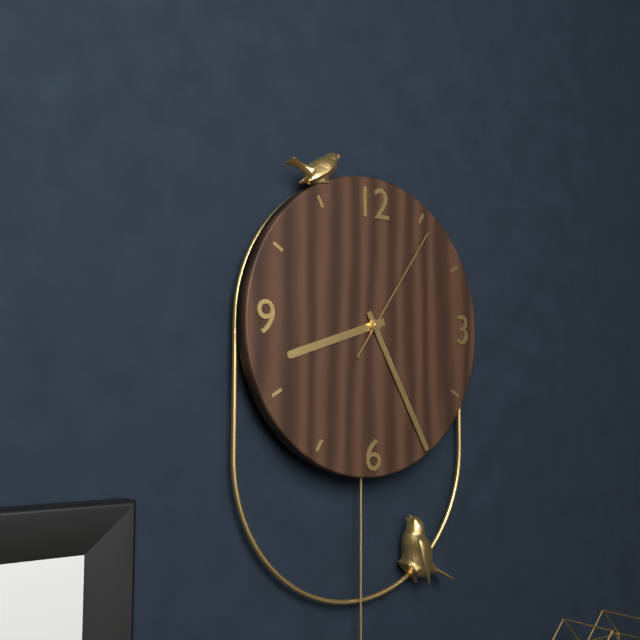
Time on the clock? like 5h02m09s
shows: 8h25m06s
